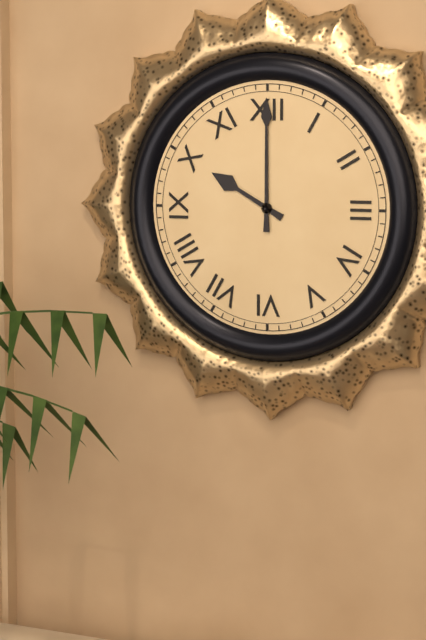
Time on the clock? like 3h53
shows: 10h00
